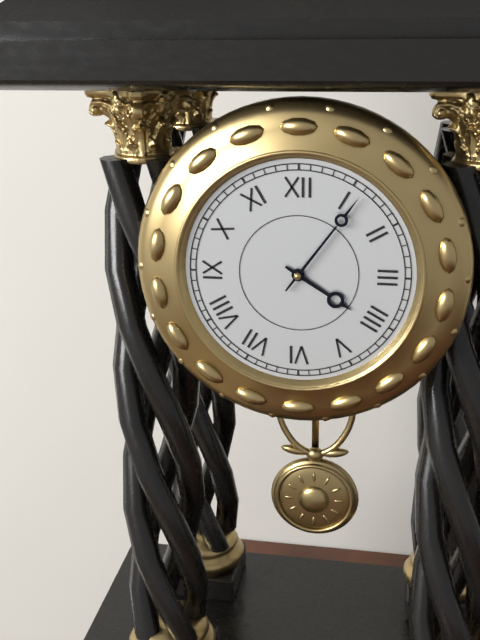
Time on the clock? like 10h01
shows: 4h06
